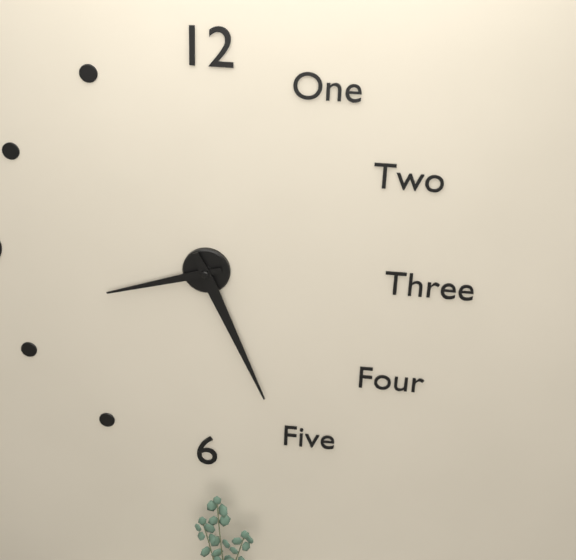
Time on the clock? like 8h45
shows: 8h26
